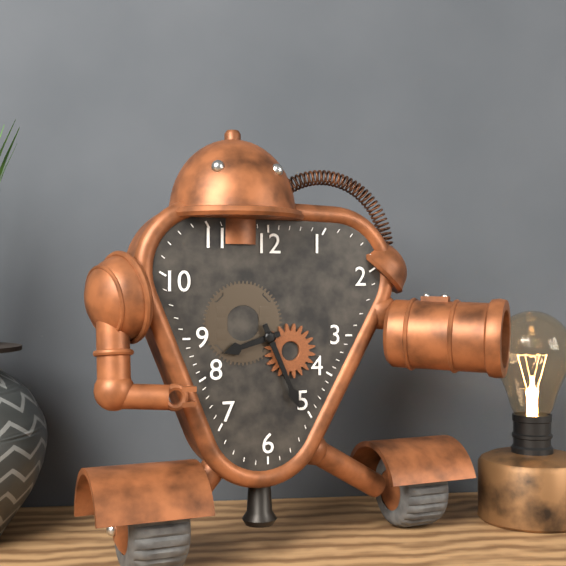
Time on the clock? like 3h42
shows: 8h26
